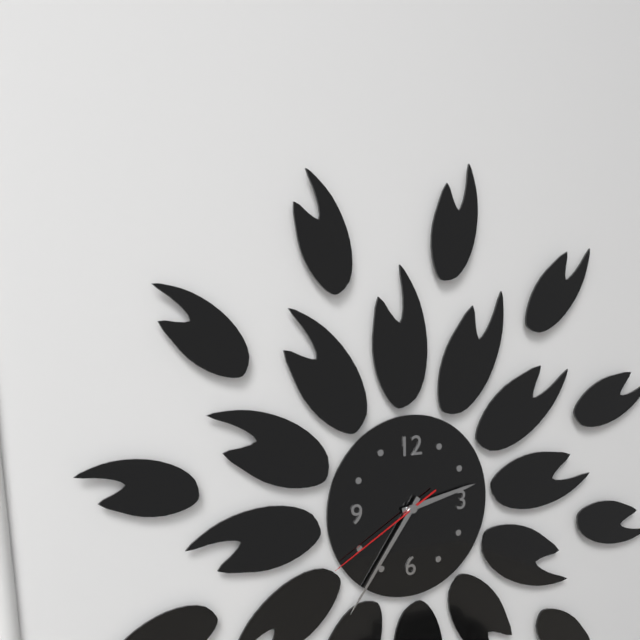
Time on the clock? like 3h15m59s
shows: 2h36m40s
